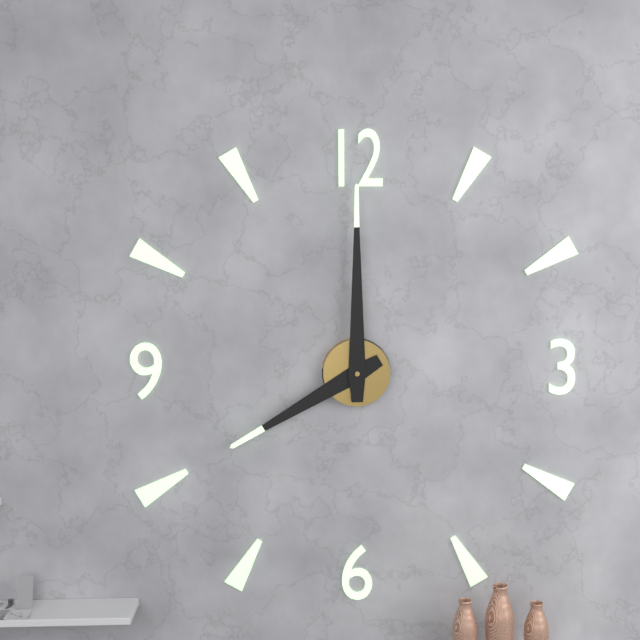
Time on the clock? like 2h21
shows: 8h00
